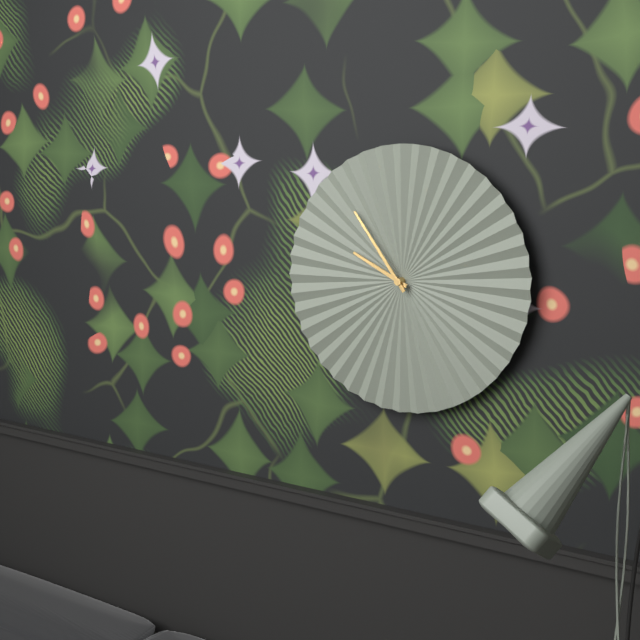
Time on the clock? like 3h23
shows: 9h54
